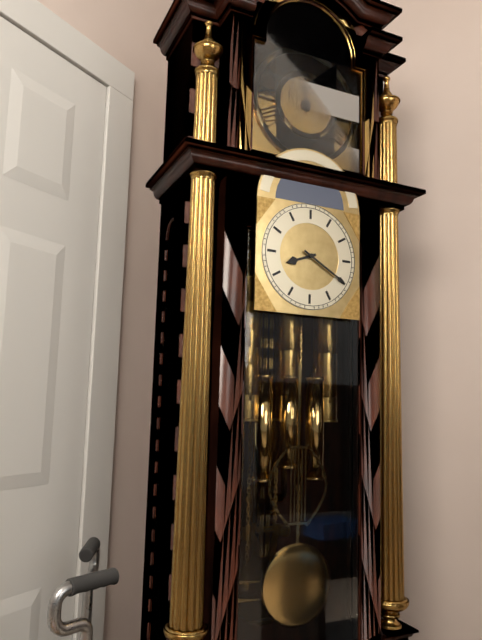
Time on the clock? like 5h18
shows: 8h20
